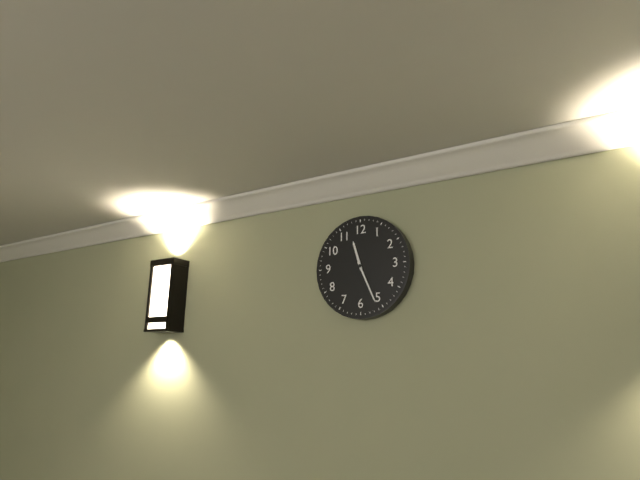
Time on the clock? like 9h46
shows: 11h26
